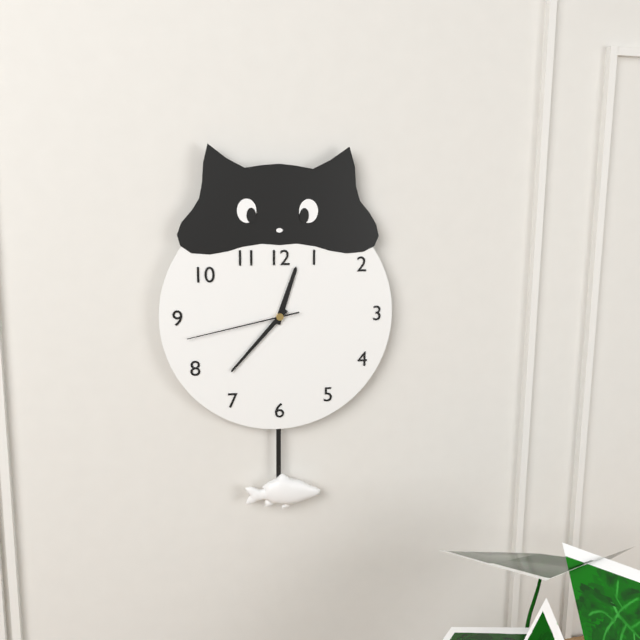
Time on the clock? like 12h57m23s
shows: 12h37m43s
